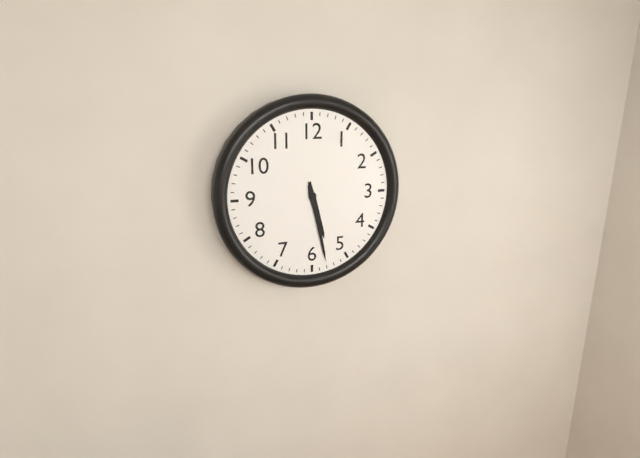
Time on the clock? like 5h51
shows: 5h28
